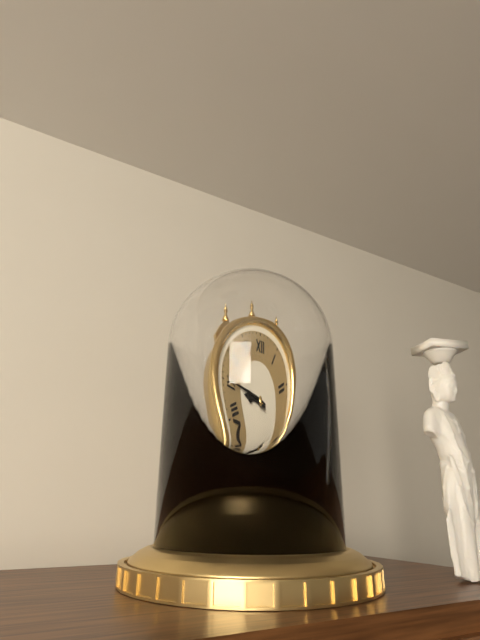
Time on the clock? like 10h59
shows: 8h45
